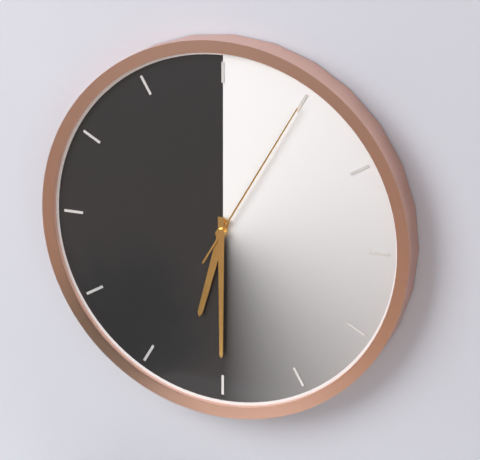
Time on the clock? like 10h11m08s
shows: 6h30m05s
